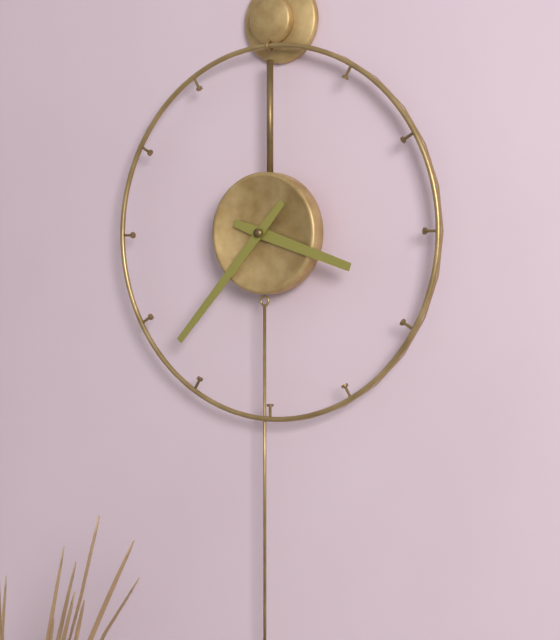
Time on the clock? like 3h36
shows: 3h37
